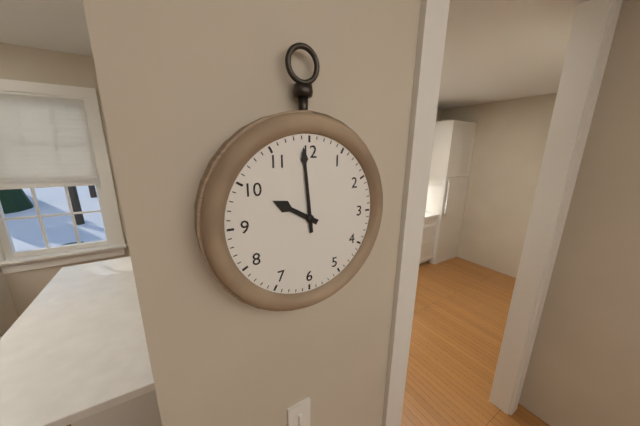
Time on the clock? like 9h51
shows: 9h59
